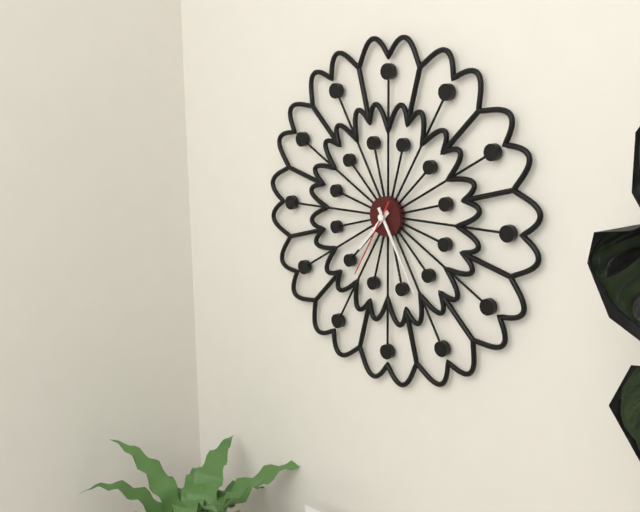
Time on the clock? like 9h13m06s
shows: 7h25m35s
